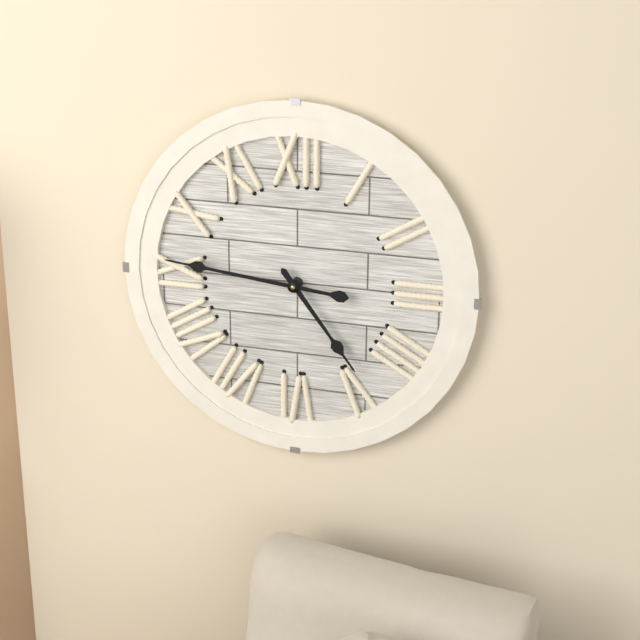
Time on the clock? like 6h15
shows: 4h46
